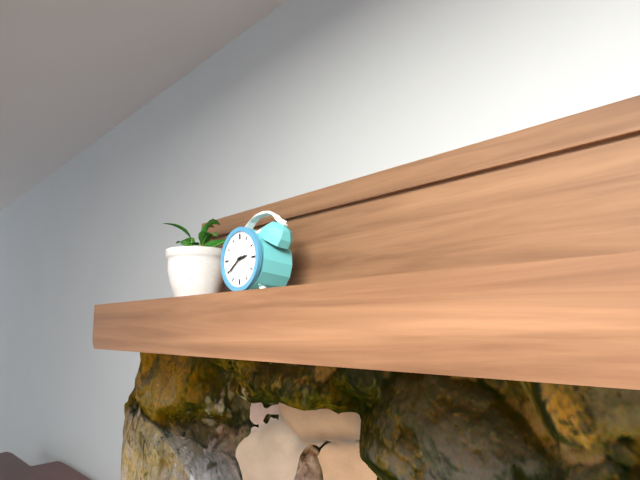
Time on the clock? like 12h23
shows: 2h39
